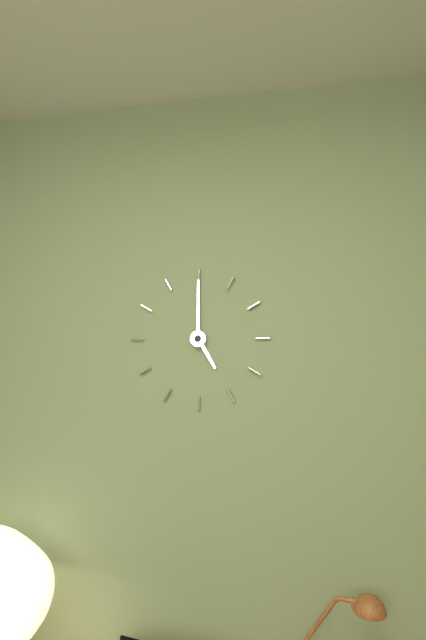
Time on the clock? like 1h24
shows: 5h00
